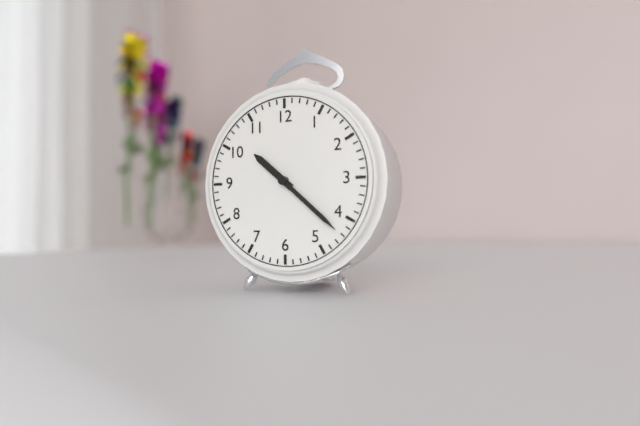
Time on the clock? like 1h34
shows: 10h22
